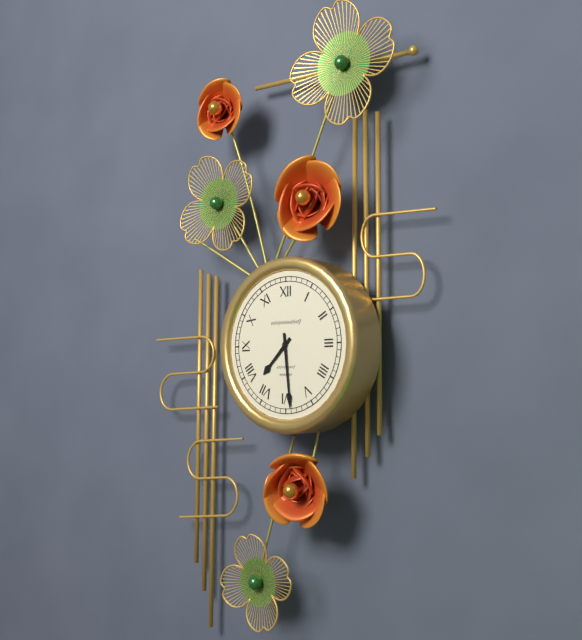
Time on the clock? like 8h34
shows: 7h29
